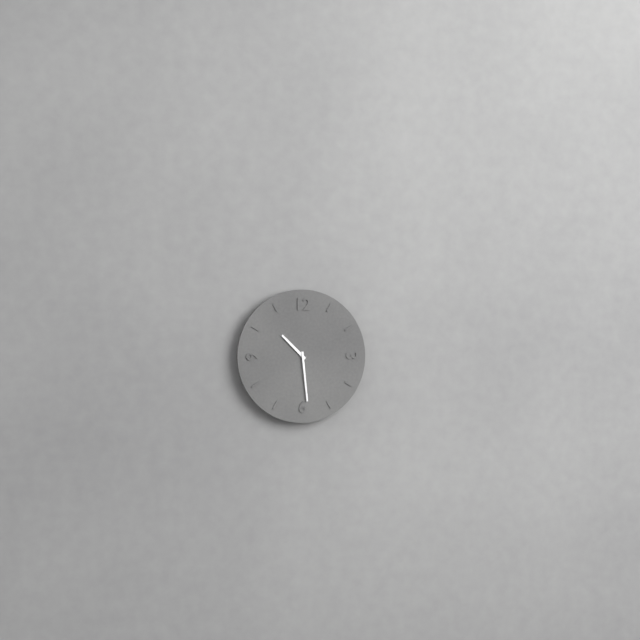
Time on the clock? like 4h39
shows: 10h29
